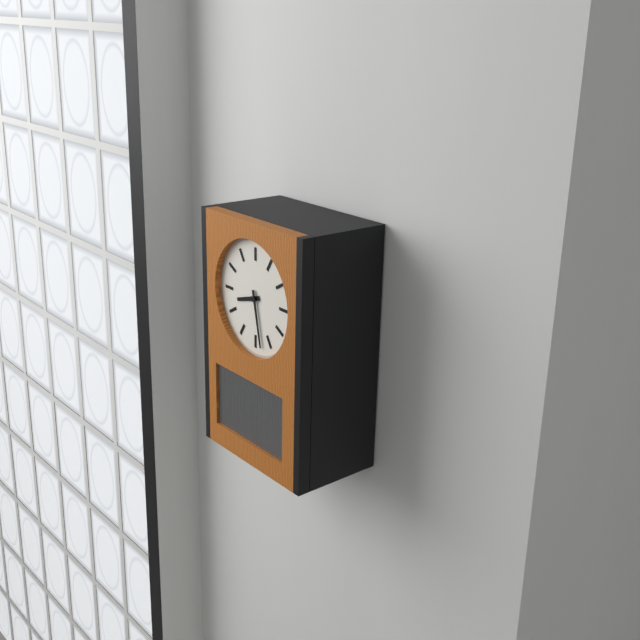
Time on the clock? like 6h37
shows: 8h28
